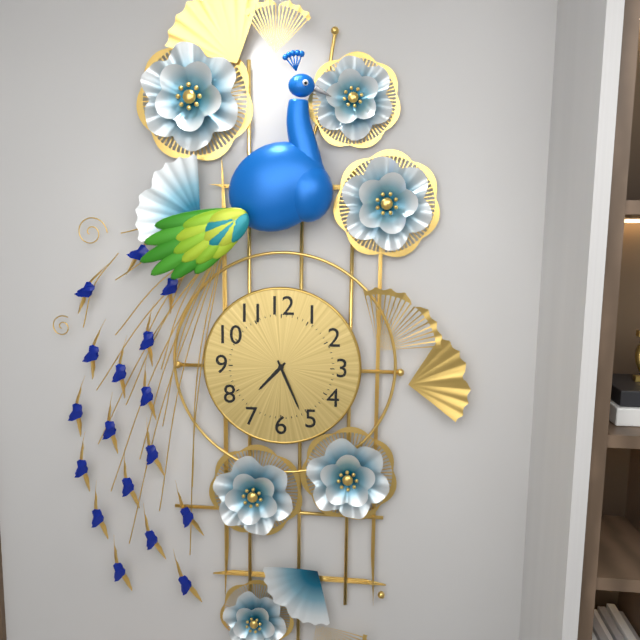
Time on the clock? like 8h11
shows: 7h26
